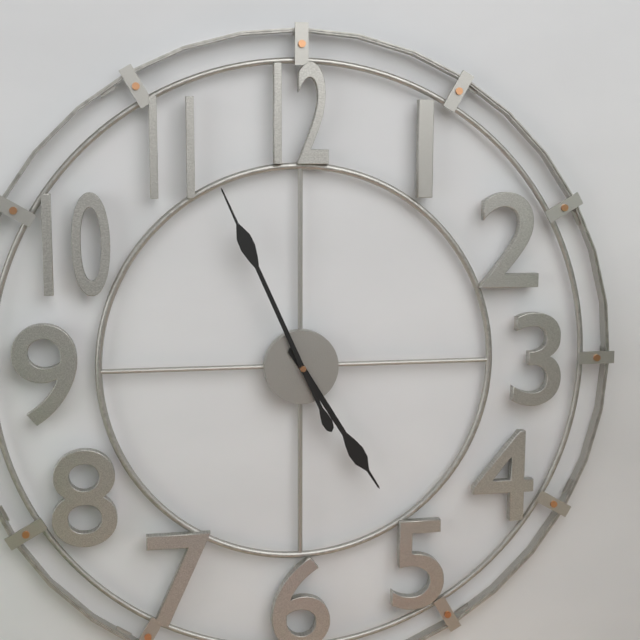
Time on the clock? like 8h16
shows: 4h56
